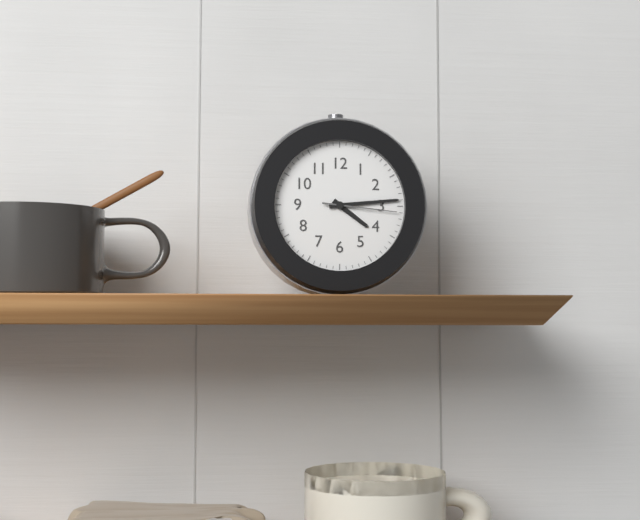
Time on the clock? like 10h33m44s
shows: 4h14m16s
